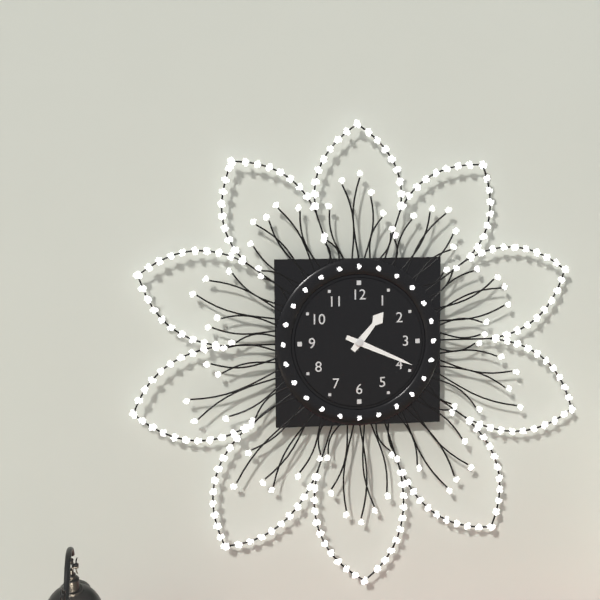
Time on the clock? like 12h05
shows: 1h19
